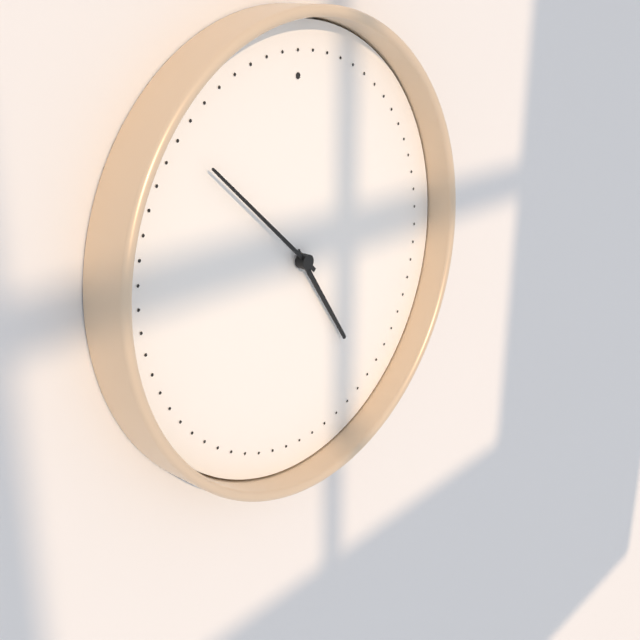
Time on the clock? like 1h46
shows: 4h52
